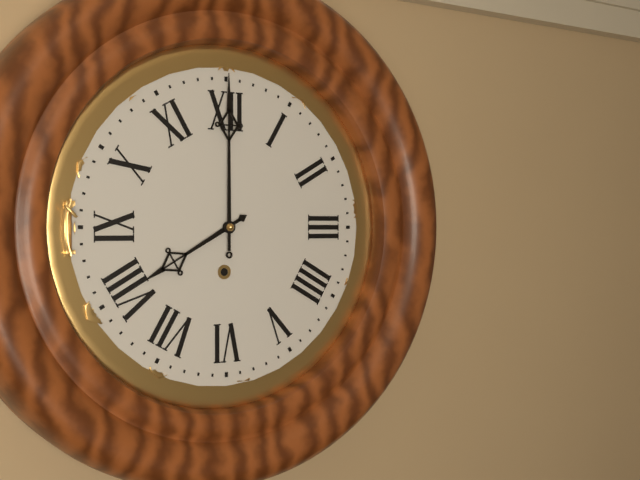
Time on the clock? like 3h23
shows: 8h00
